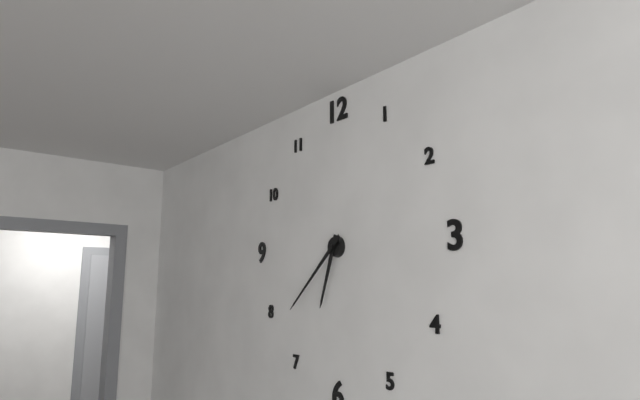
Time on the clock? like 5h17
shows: 6h38
